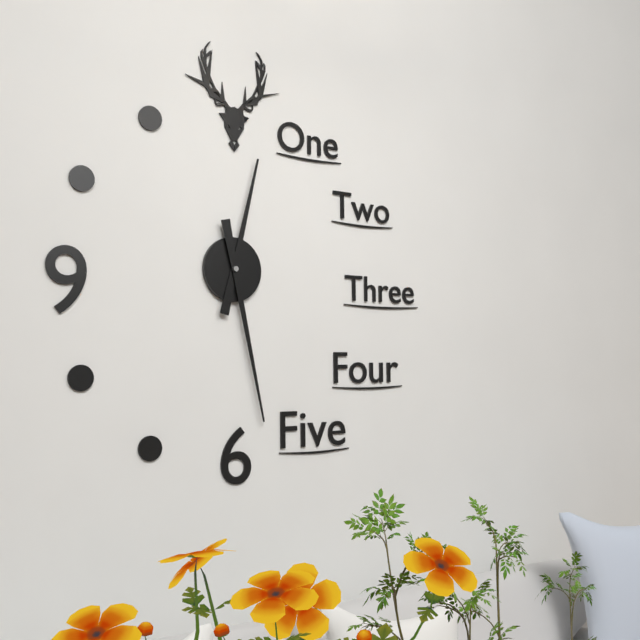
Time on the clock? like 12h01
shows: 12h28
